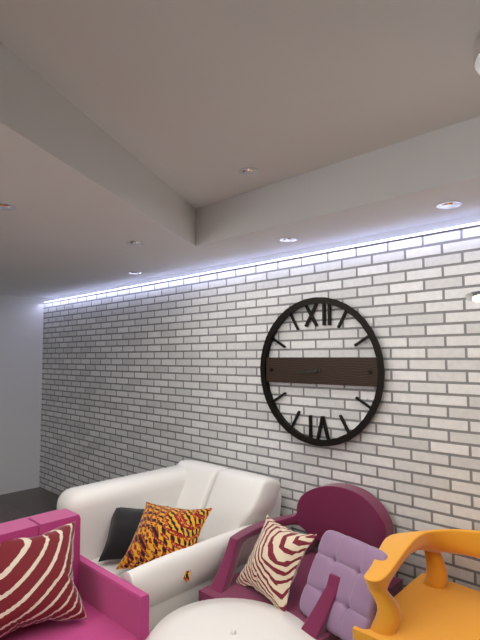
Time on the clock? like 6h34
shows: 8h44
